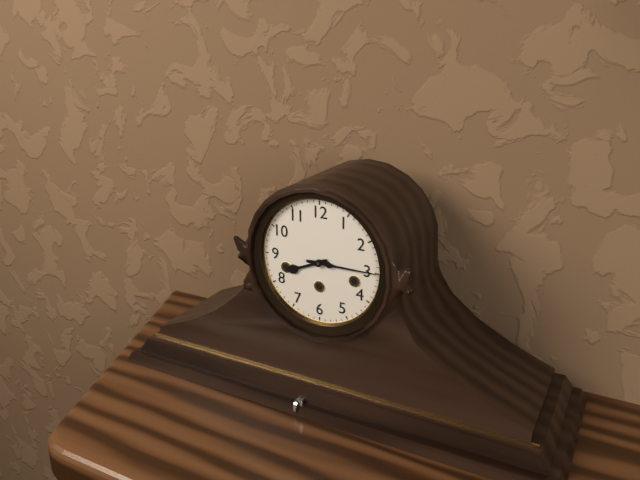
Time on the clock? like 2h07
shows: 8h15
